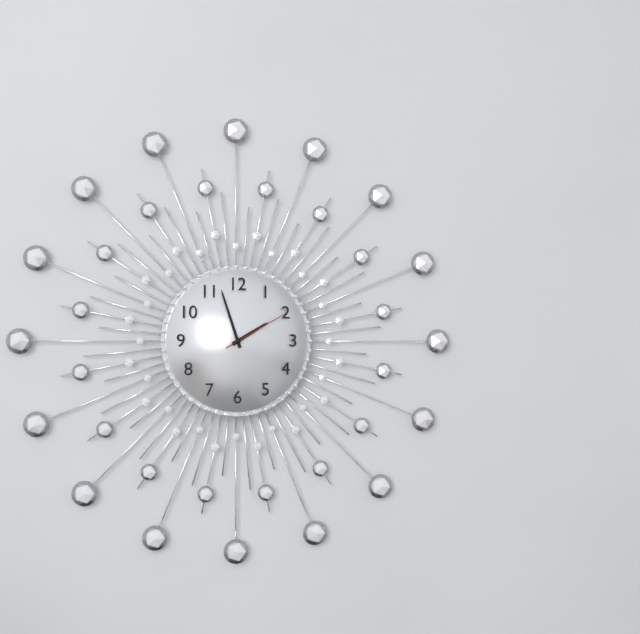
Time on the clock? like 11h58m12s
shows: 1h57m10s
